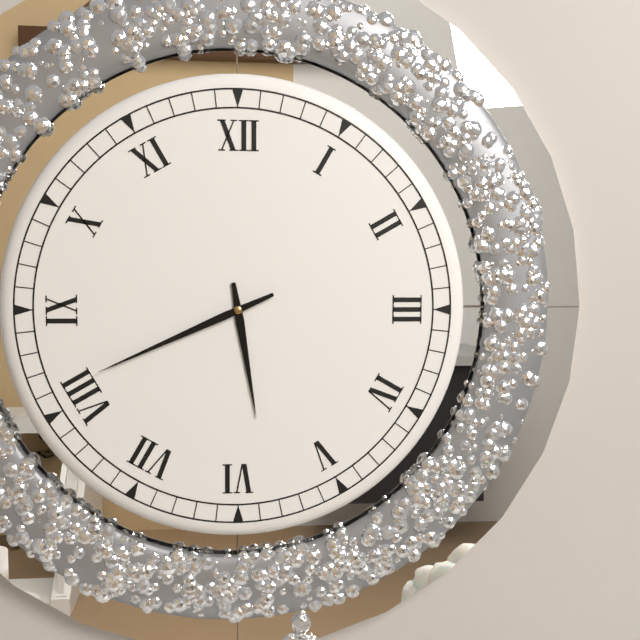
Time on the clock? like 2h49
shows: 5h41
